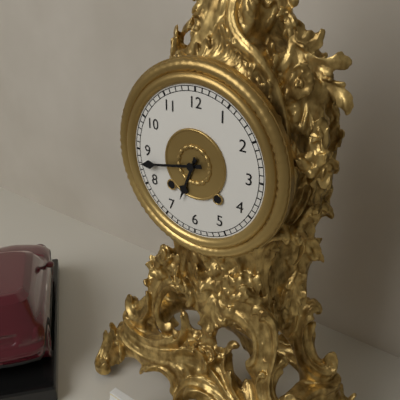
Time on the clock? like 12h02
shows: 6h43
